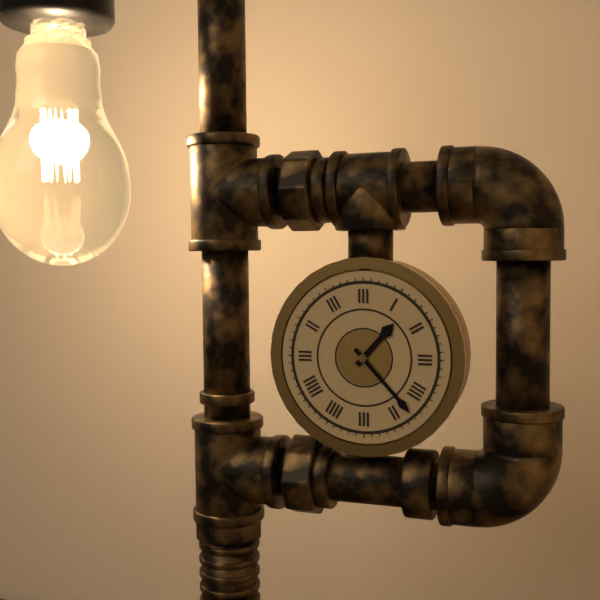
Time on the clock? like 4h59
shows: 1h23
